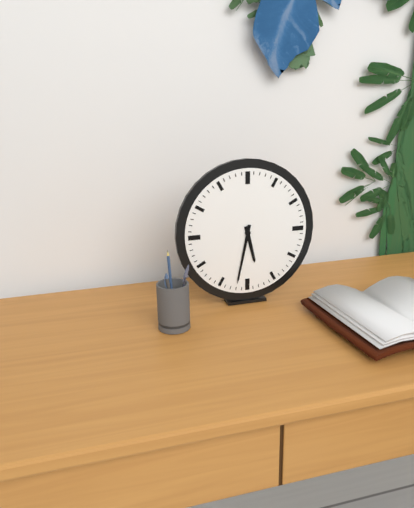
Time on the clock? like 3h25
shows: 5h32
